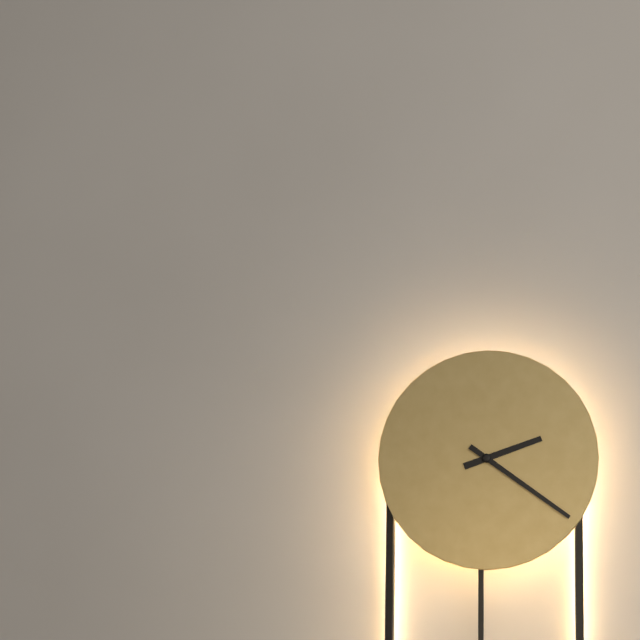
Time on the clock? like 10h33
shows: 2h21
